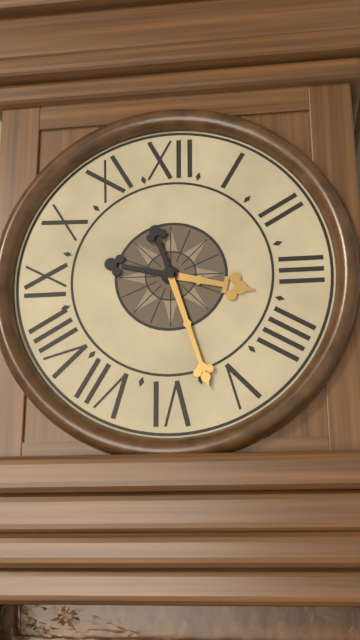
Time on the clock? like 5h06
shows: 3h27
